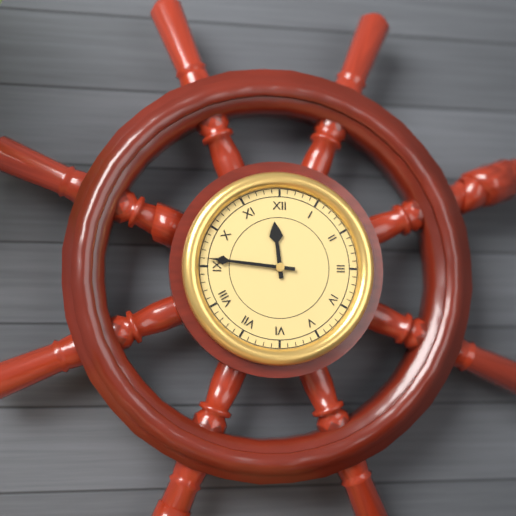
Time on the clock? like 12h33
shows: 11h46
